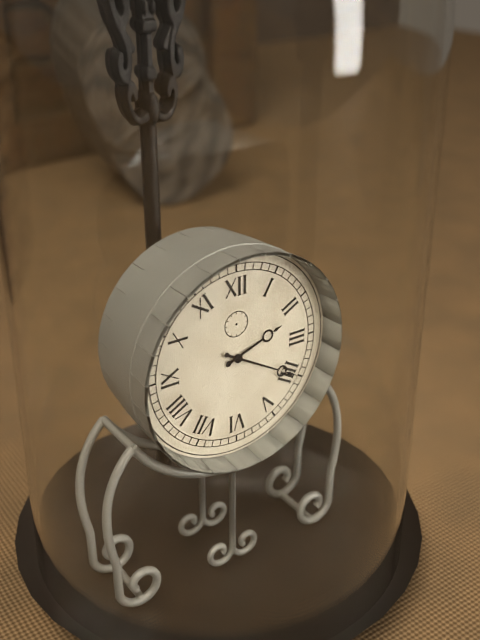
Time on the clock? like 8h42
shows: 2h20
